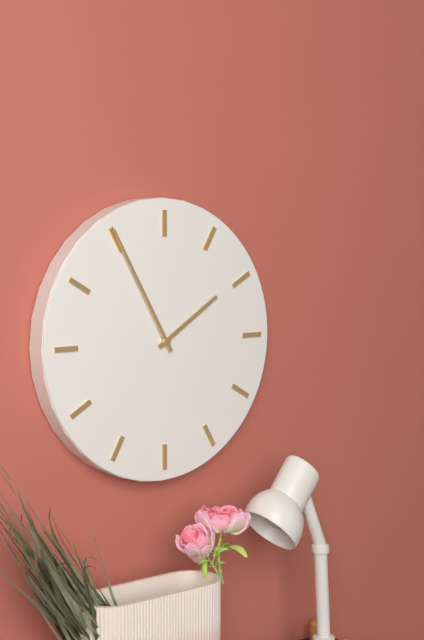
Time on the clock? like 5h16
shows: 1h55
